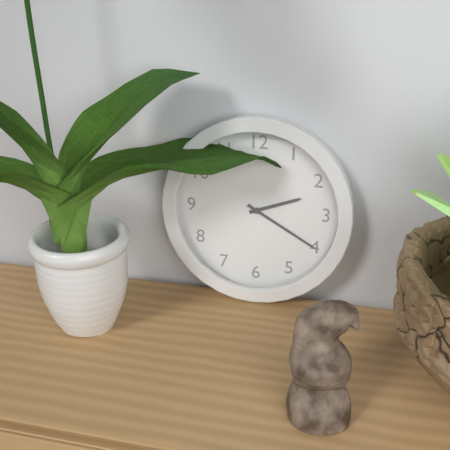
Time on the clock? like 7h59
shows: 2h20
